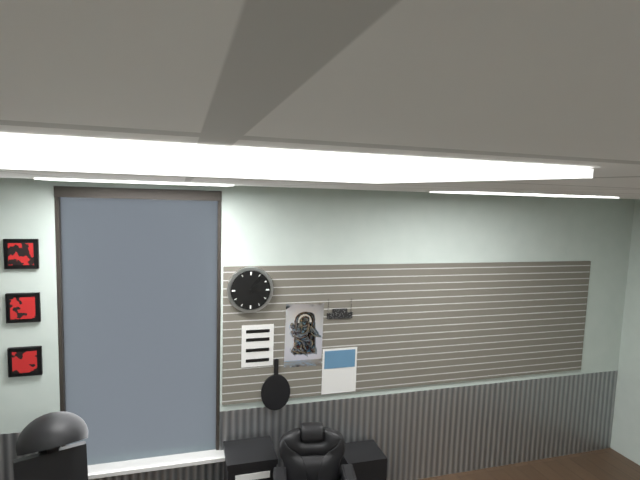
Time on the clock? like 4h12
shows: 11h06
